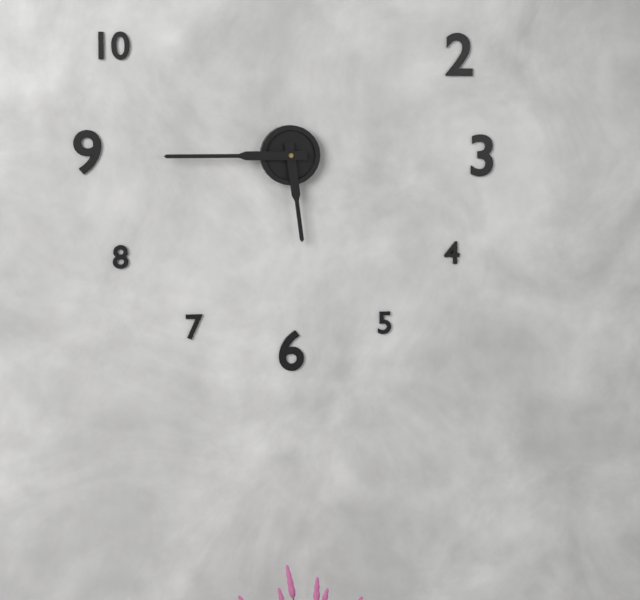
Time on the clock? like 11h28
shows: 5h45
